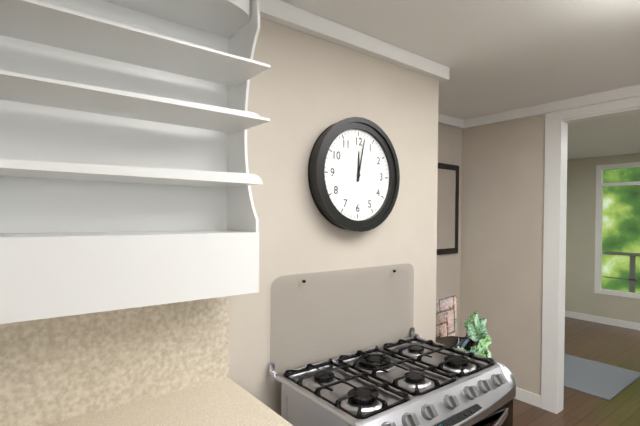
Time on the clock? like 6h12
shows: 12h02
